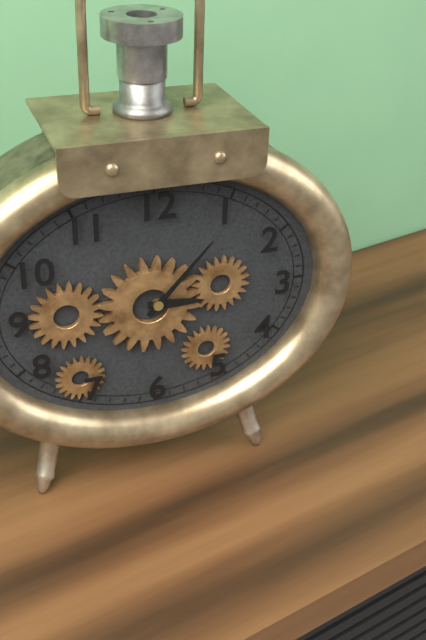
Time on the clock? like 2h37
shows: 3h07
